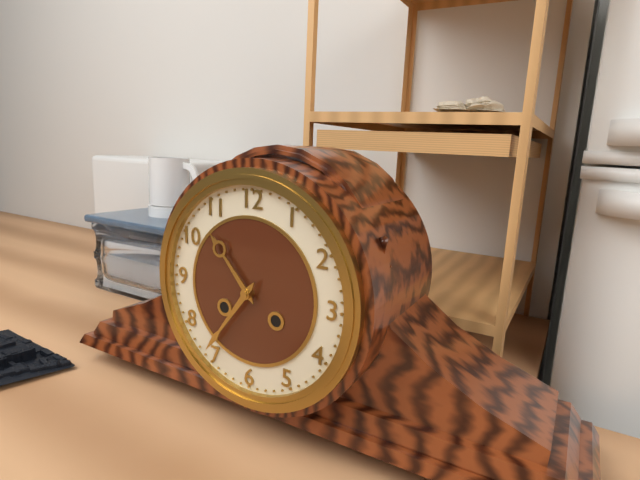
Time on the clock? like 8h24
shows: 10h36
